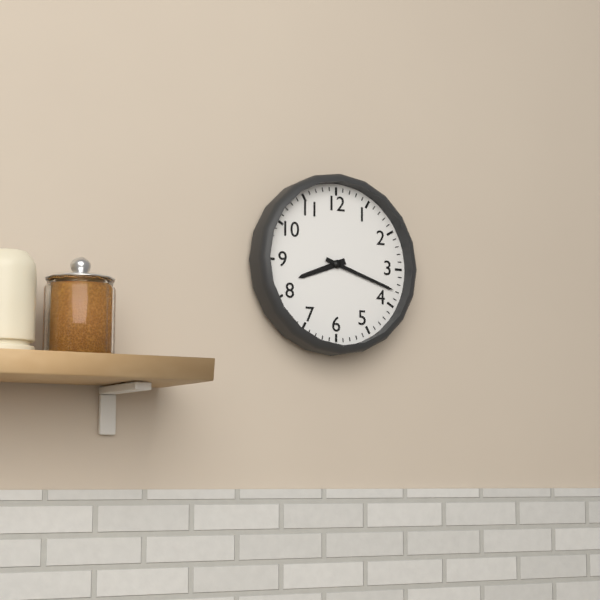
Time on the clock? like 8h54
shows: 8h18
